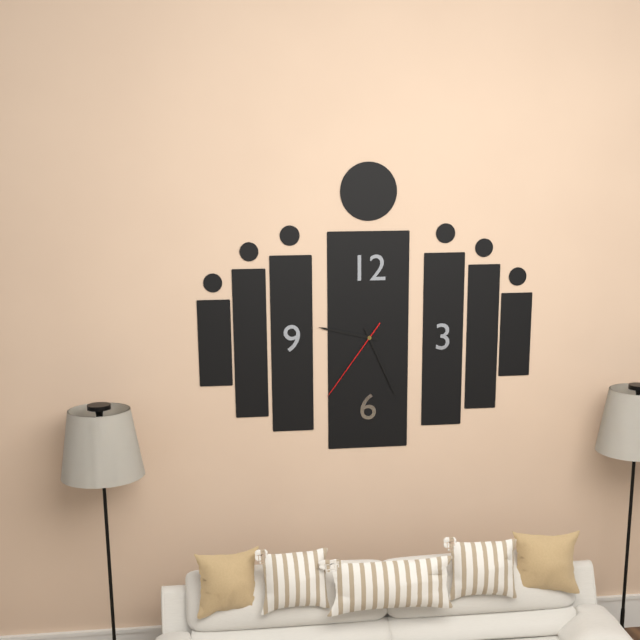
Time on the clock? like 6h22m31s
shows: 9h26m36s
